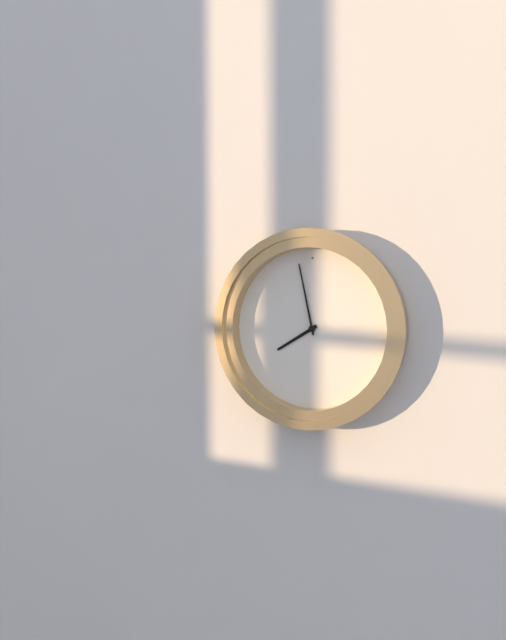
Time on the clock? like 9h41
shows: 7h58
